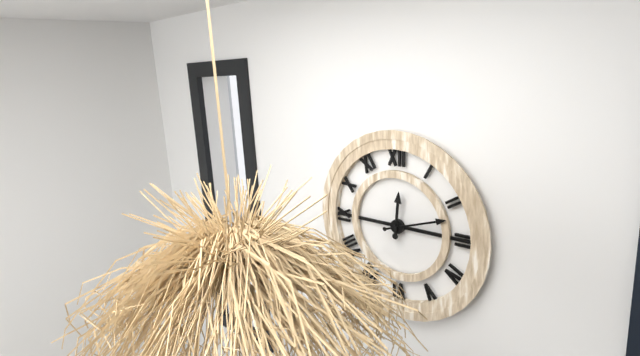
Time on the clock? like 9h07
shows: 12h12
